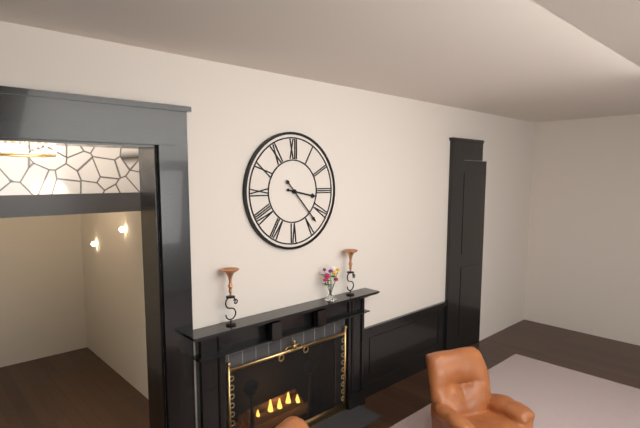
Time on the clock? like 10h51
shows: 3h23
